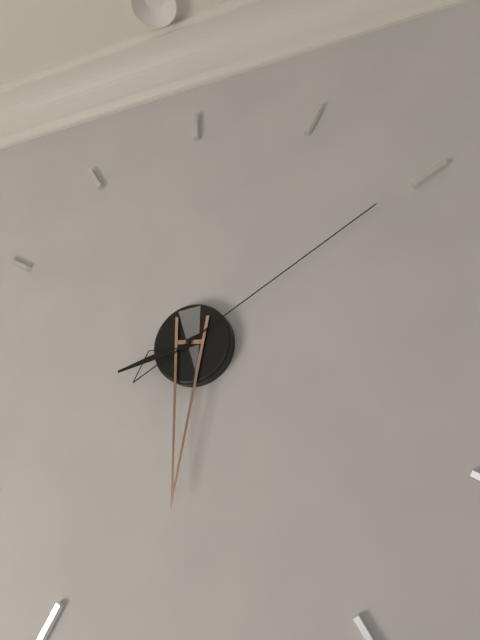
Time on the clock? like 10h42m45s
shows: 8h31m10s
